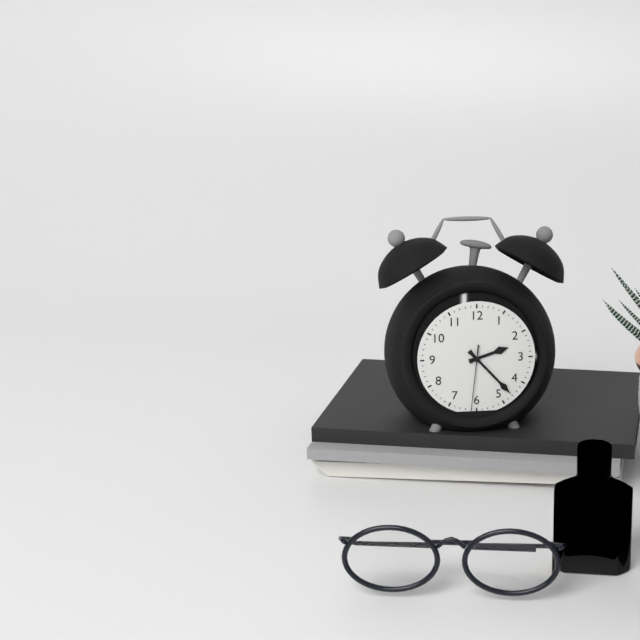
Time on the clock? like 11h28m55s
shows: 2h23m31s
